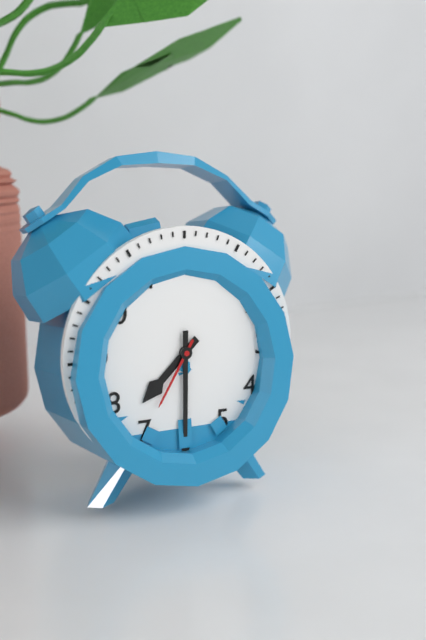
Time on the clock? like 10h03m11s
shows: 7h30m35s
